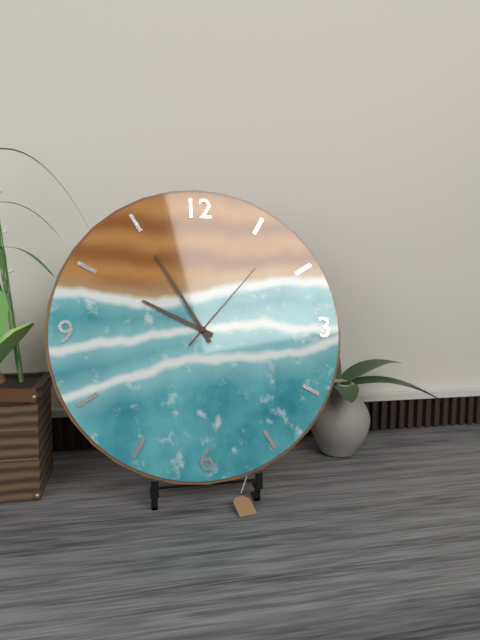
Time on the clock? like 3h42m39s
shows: 9h55m07s
